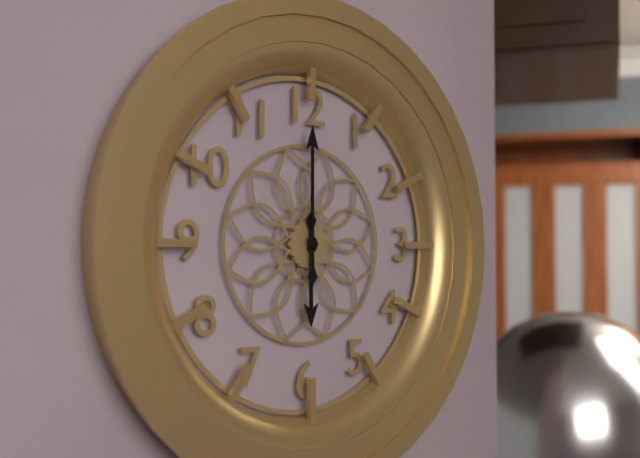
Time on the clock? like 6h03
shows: 6h00
